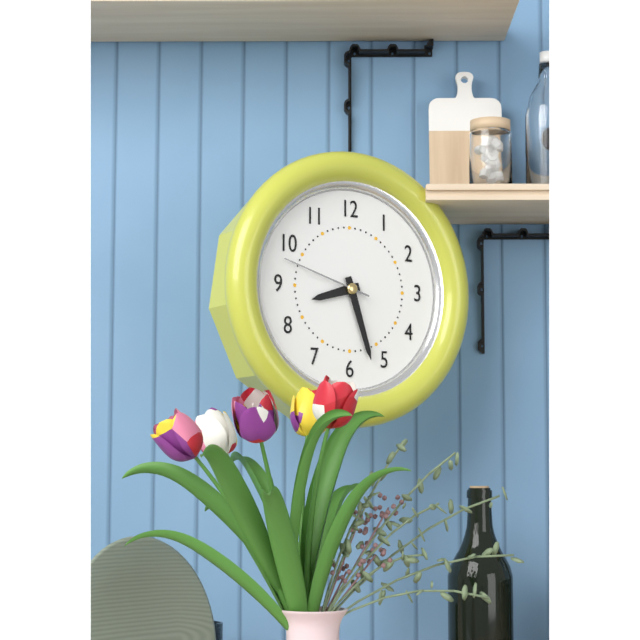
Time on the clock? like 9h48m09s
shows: 8h27m48s
